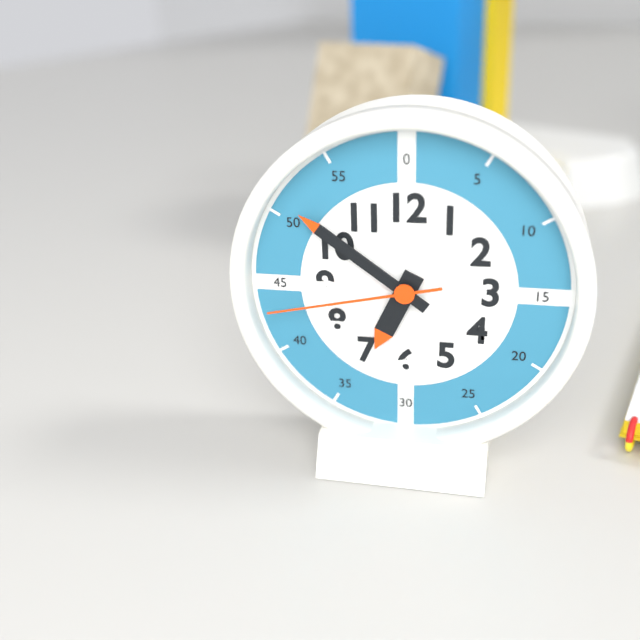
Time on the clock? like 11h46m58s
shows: 6h51m43s
